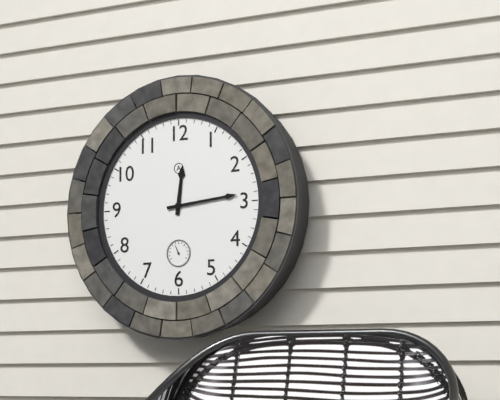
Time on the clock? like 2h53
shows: 12h14
